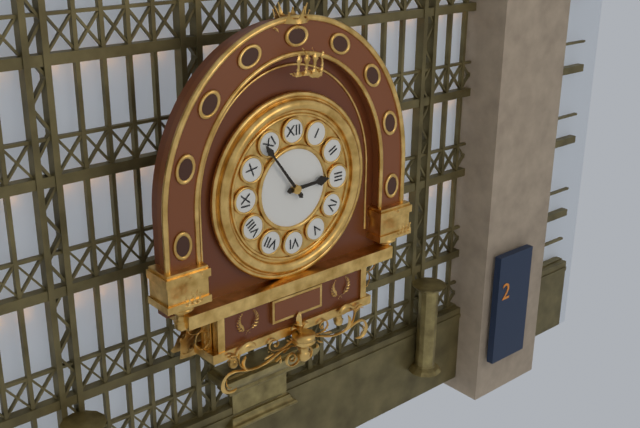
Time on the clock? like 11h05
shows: 2h54
